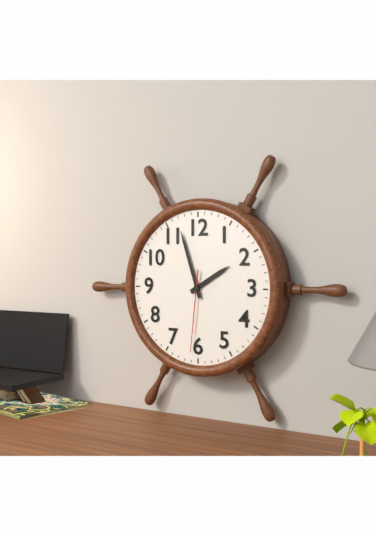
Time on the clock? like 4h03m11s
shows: 1h57m31s
